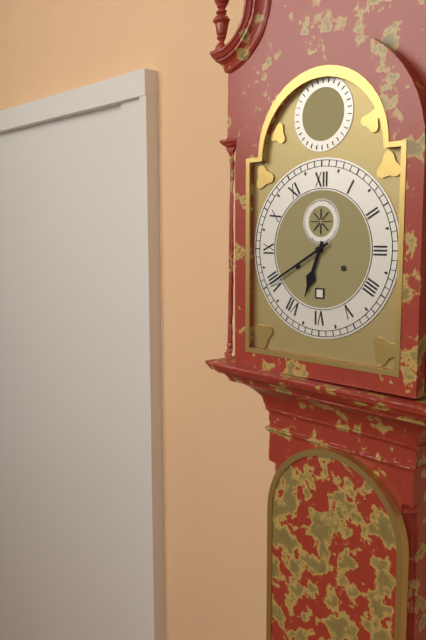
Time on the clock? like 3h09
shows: 6h40
